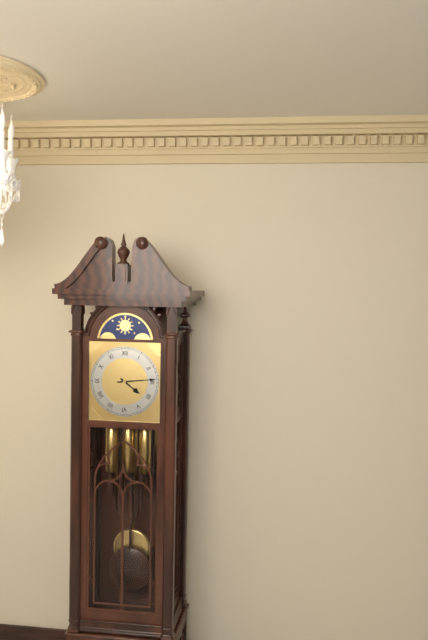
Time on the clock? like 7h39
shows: 4h14
